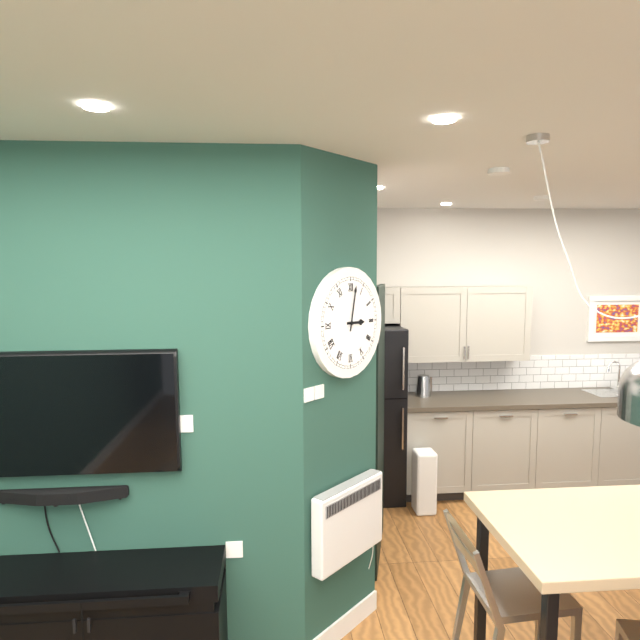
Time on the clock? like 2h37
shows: 3h02
